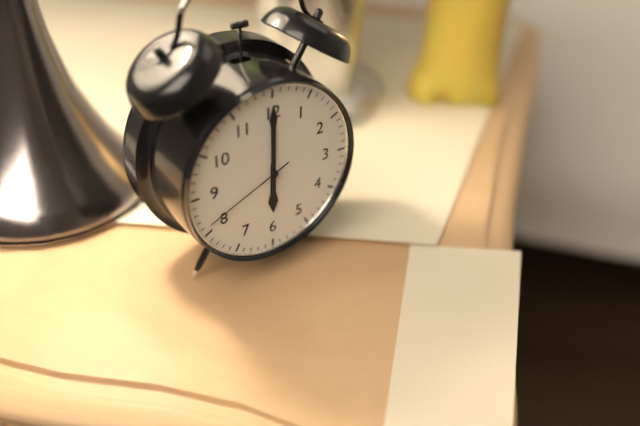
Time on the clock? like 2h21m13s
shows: 6h00m41s
